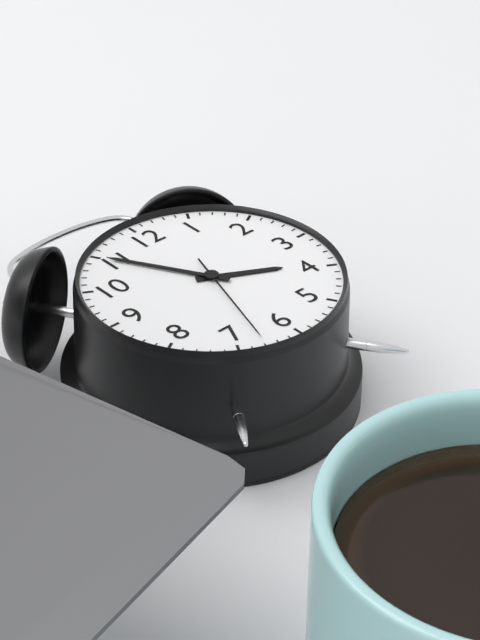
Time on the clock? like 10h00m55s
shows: 3h55m33s
